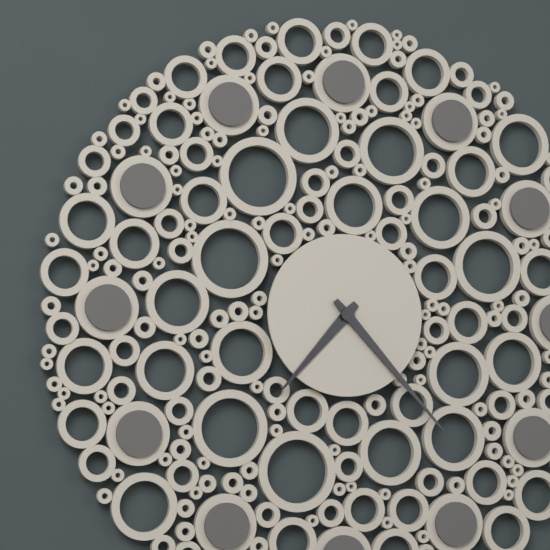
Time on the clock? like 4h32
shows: 7h23
